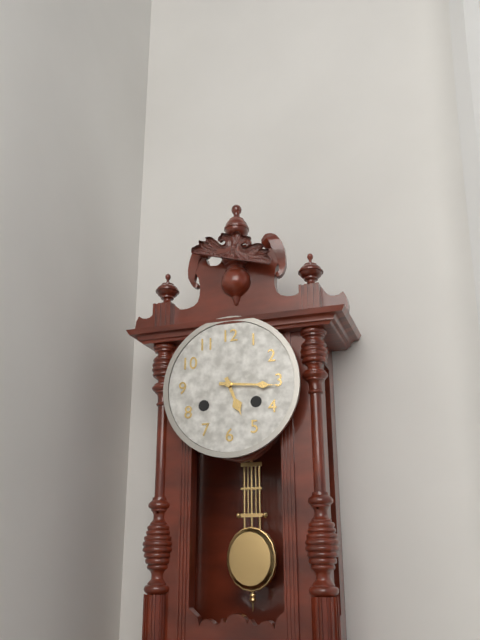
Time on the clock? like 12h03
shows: 5h16
